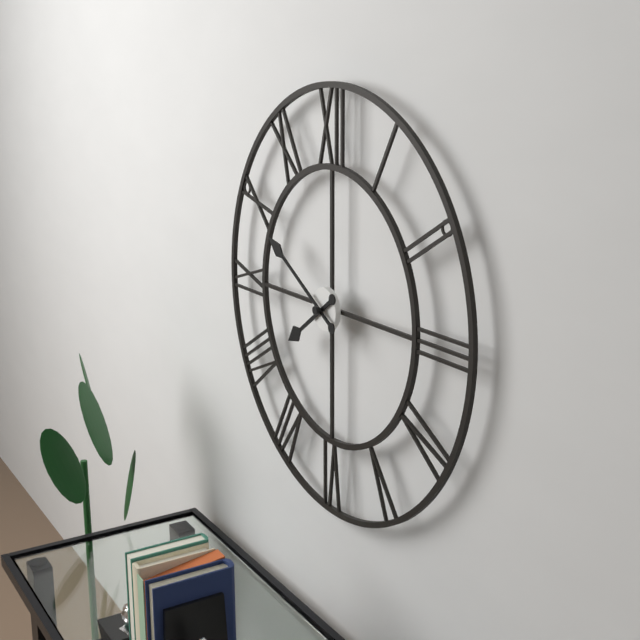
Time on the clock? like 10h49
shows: 7h50
